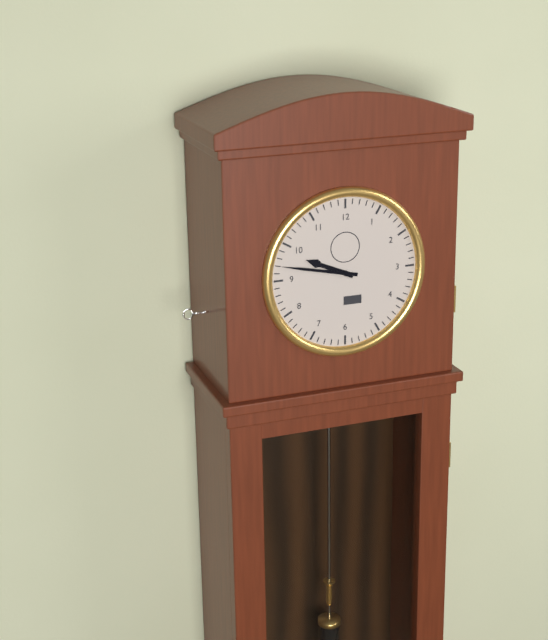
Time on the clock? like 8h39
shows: 9h47
